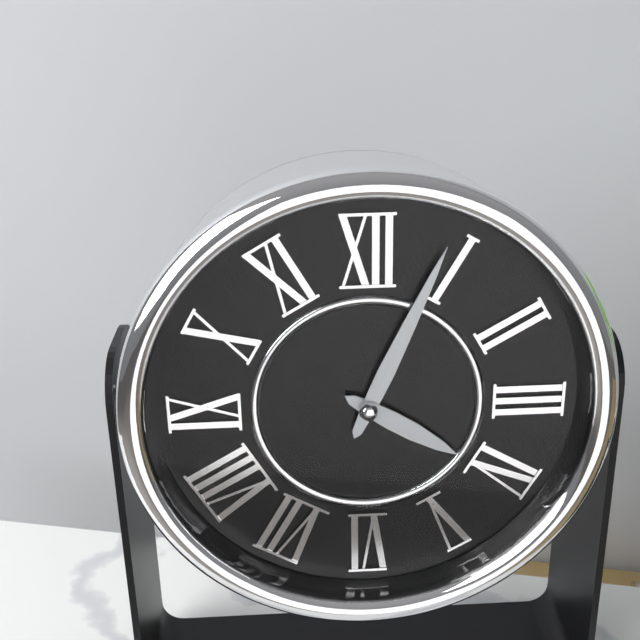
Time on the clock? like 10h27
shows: 4h04
